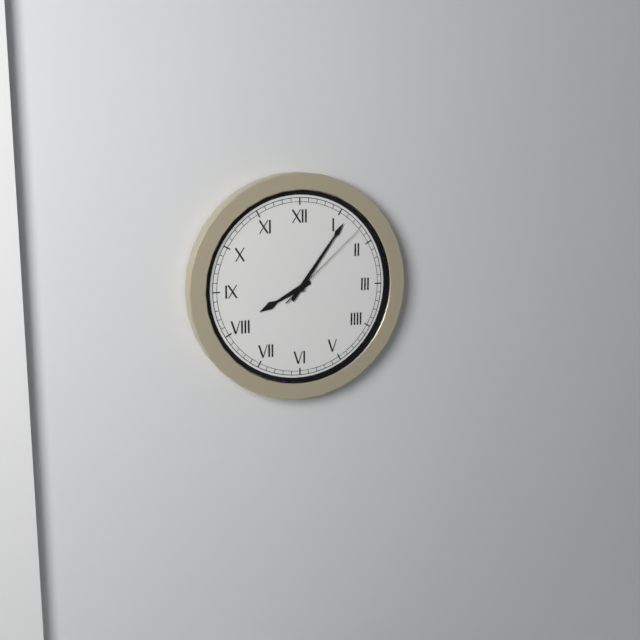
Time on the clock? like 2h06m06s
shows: 8h06m08s
